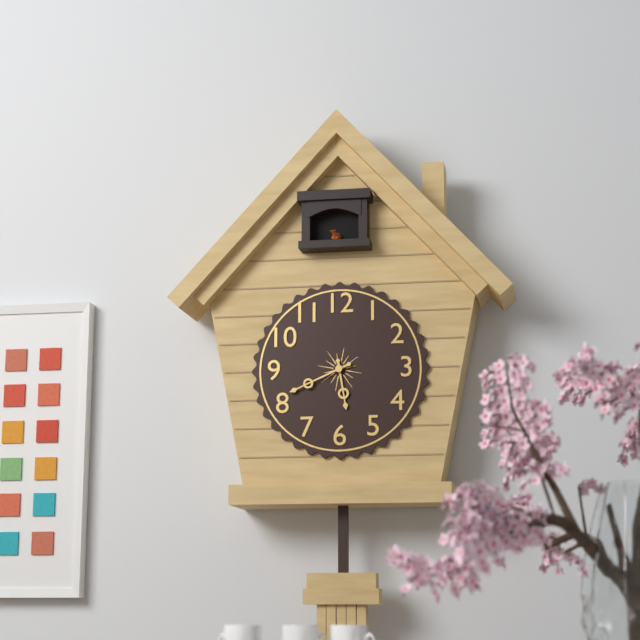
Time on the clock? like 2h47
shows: 5h41
